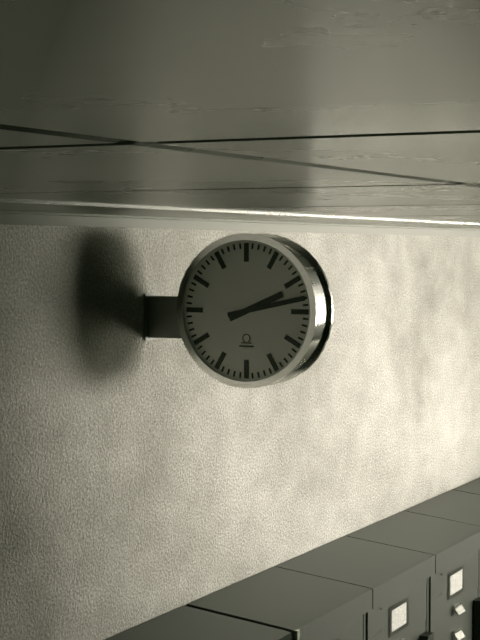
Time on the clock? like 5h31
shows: 2h13
